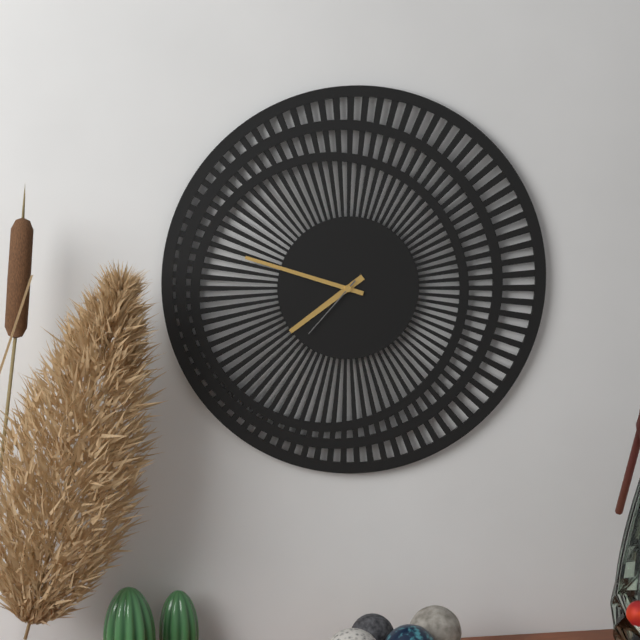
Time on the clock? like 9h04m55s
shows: 7h48m37s
